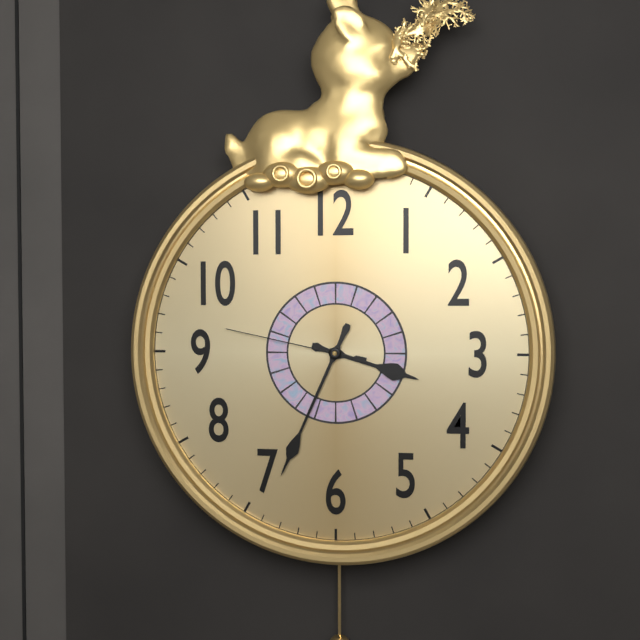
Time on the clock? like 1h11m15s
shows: 3h34m47s
